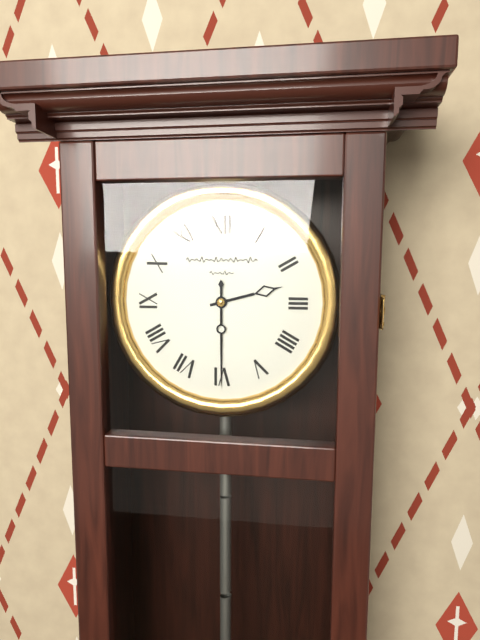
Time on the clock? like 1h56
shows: 2h30
